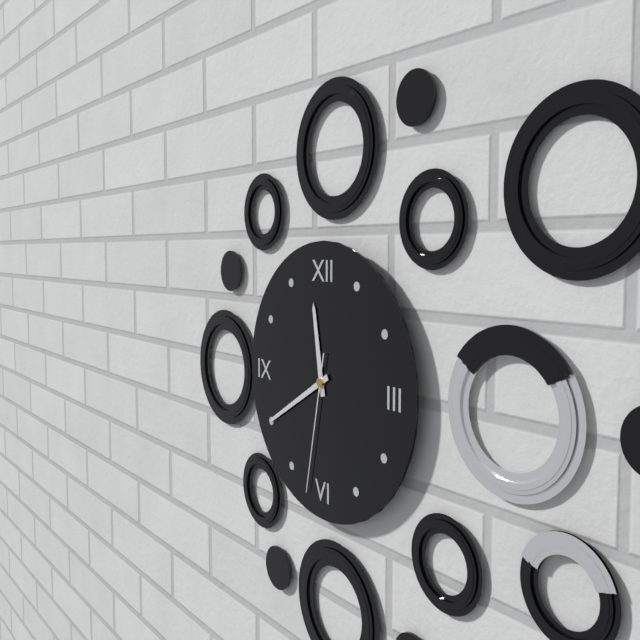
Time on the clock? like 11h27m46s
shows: 11h40m32s
